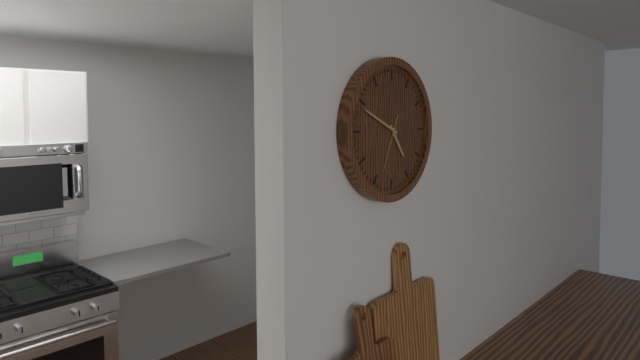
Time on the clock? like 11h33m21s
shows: 4h49m34s
